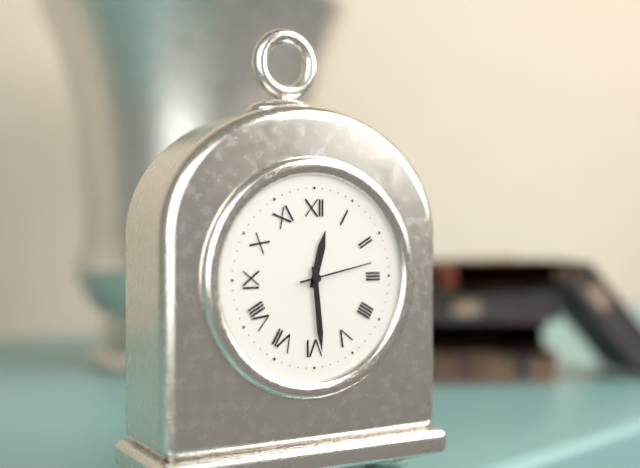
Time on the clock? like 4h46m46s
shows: 12h29m13s
